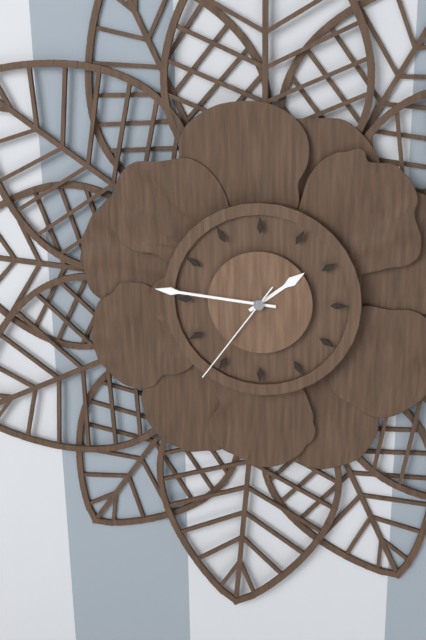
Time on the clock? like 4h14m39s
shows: 1h46m36s
